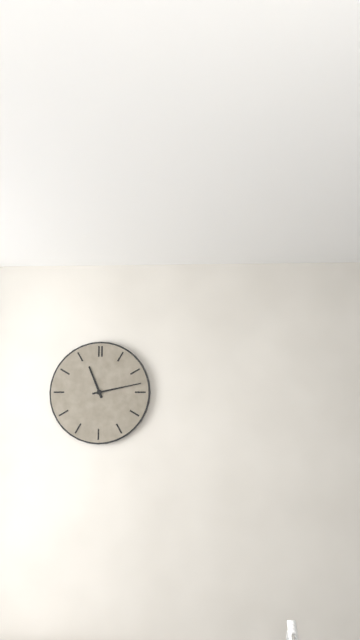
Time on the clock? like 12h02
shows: 11h13
